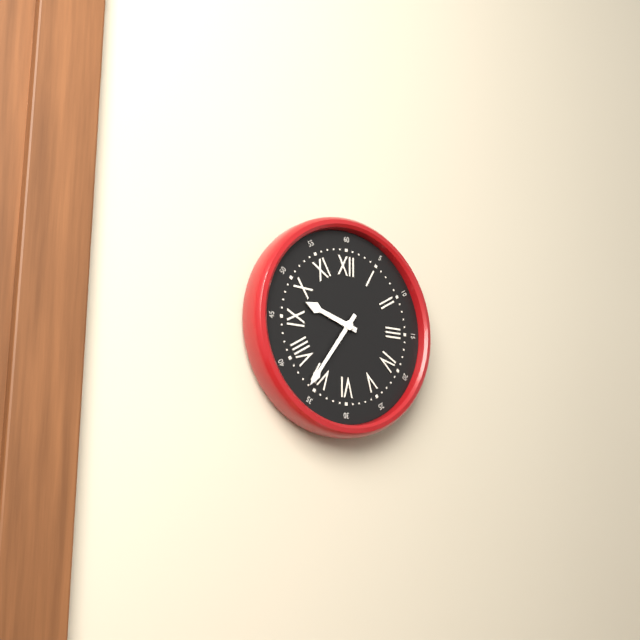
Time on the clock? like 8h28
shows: 9h36
